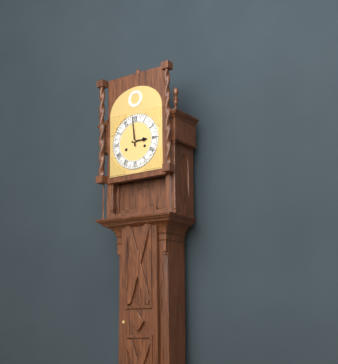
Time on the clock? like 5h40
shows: 2h59
